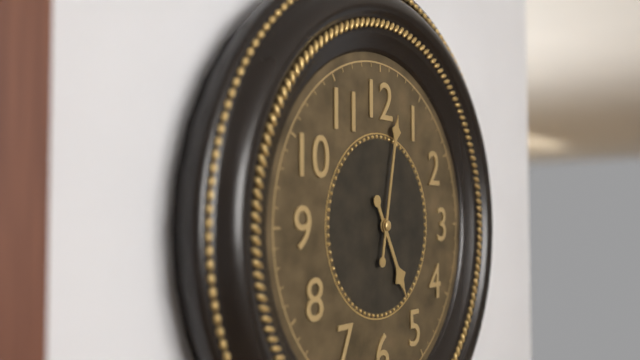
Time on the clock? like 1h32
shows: 5h02
